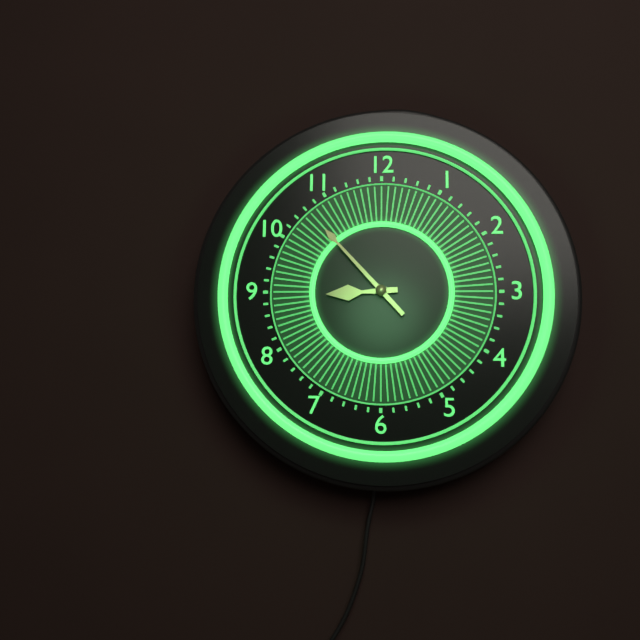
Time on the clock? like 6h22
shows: 8h53
